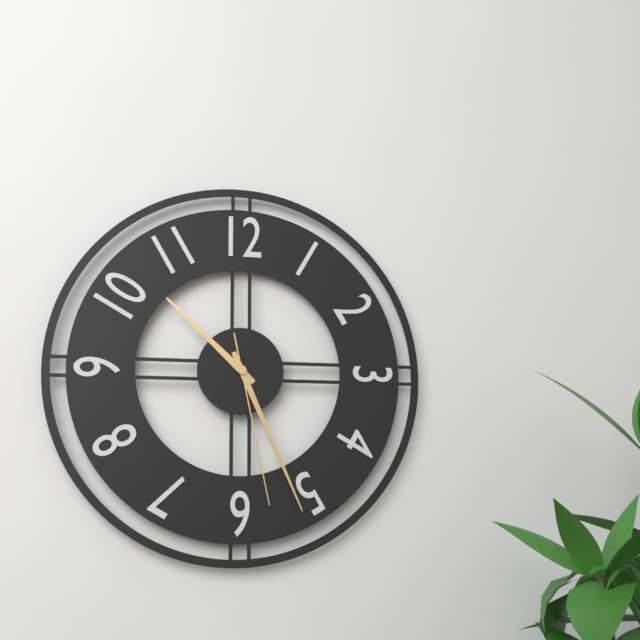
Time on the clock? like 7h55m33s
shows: 10h26m28s
